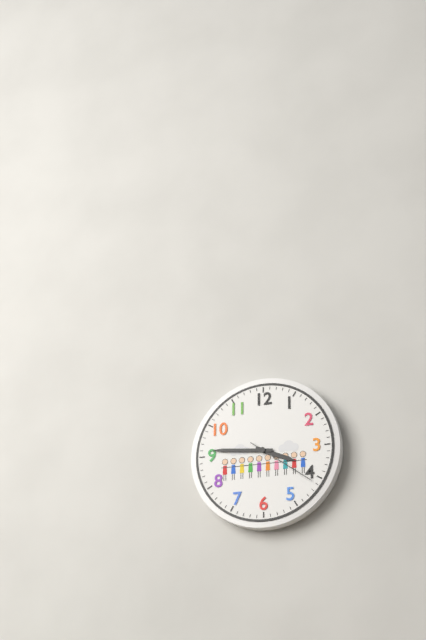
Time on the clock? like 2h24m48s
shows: 3h46m21s
